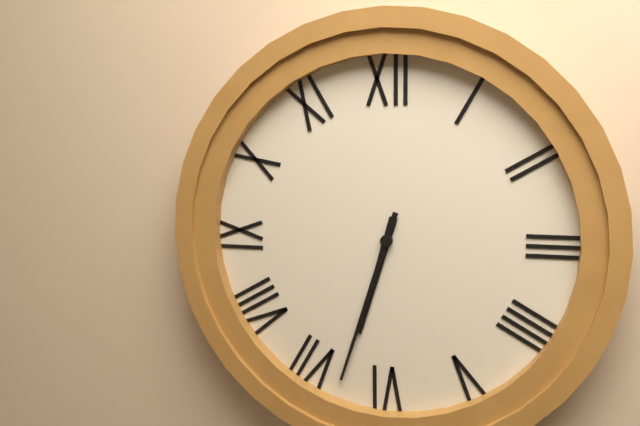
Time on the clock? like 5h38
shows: 6h33
